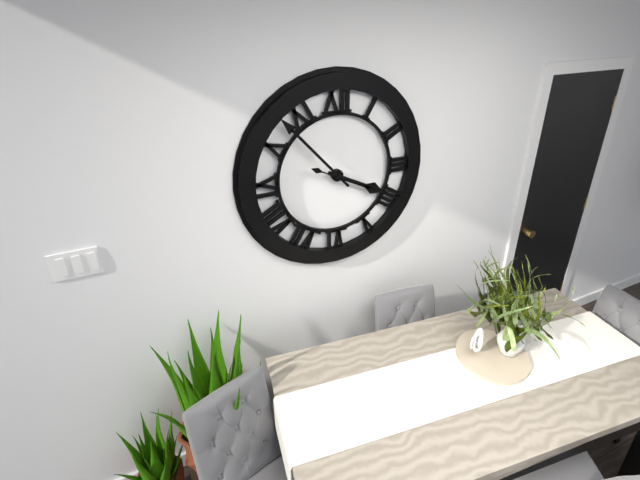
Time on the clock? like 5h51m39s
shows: 3h53m19s
